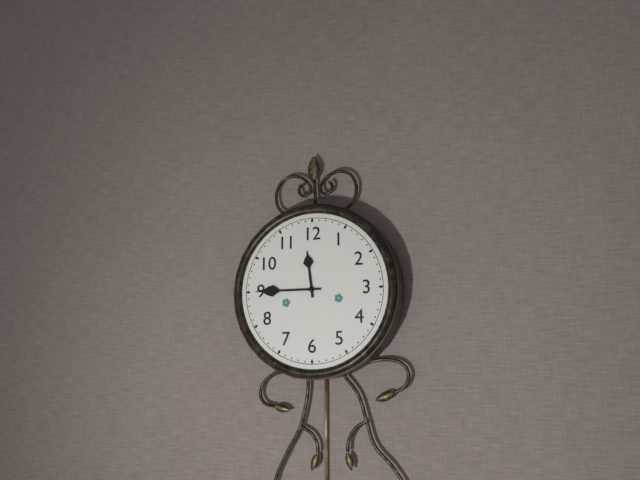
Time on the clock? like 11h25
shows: 11h45
